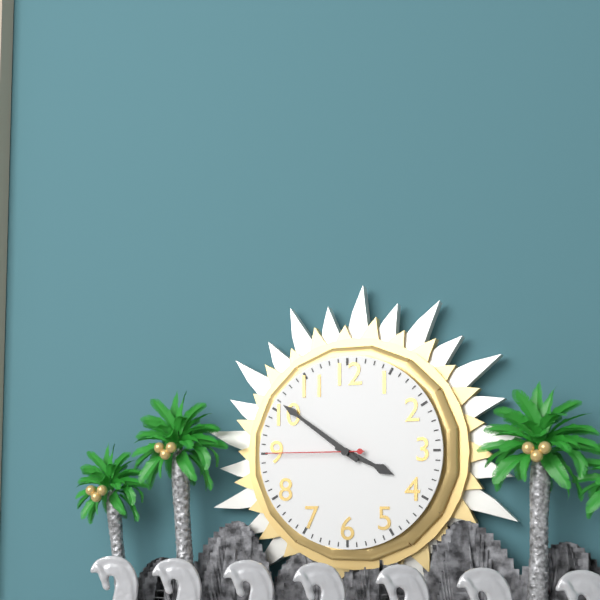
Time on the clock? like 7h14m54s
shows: 3h51m45s
